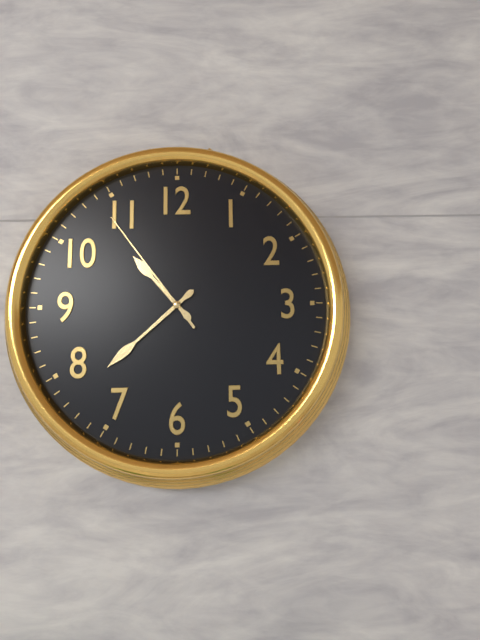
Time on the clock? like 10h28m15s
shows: 10h38m54s
